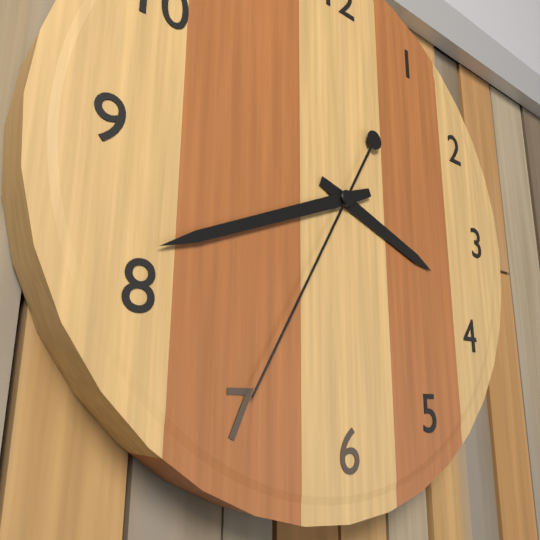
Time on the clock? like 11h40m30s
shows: 3h41m35s
